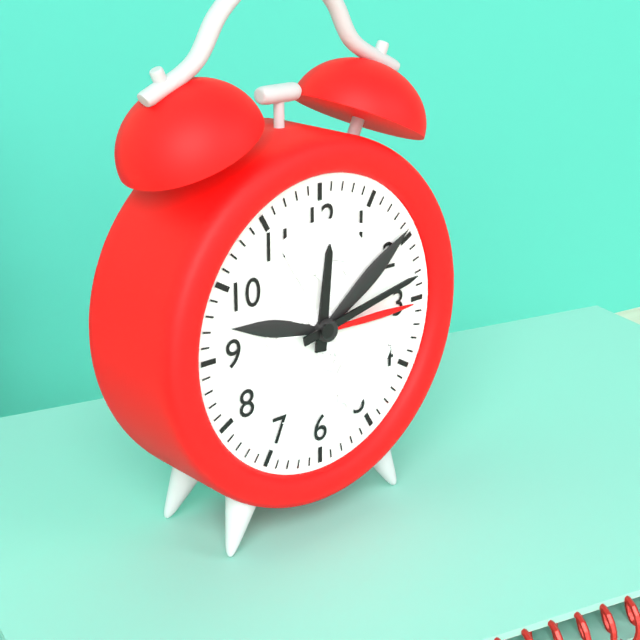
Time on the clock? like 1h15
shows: 12h13
